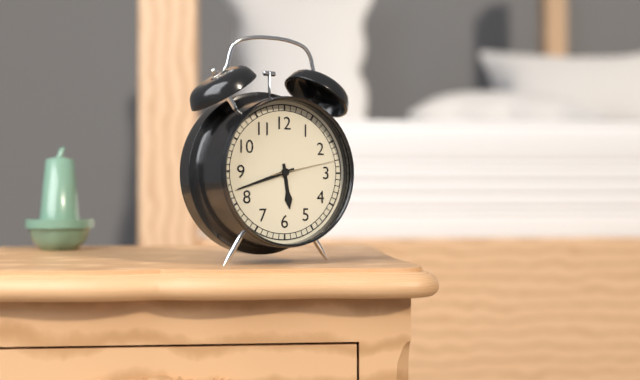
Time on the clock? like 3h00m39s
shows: 5h42m13s
